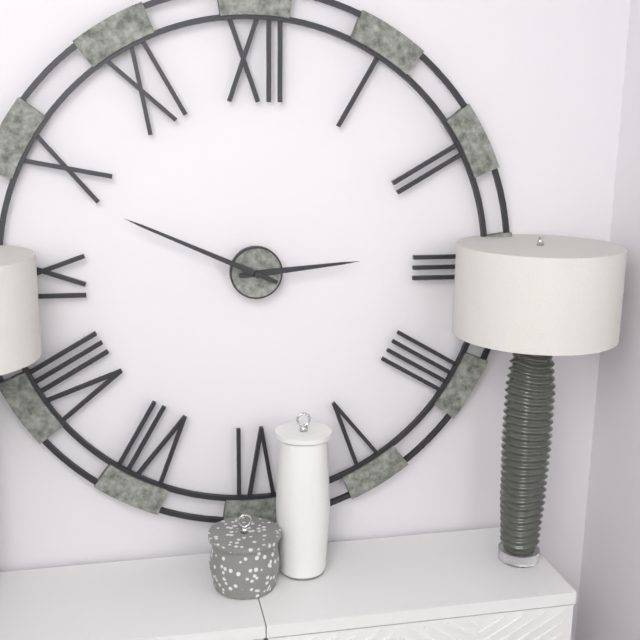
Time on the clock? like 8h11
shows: 2h49
